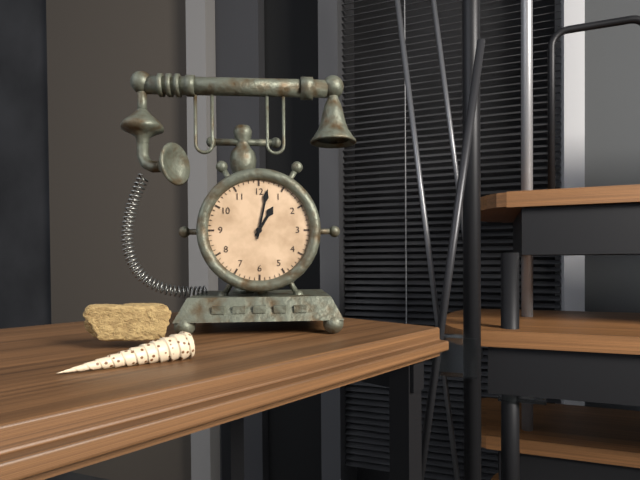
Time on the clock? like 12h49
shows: 1h02
